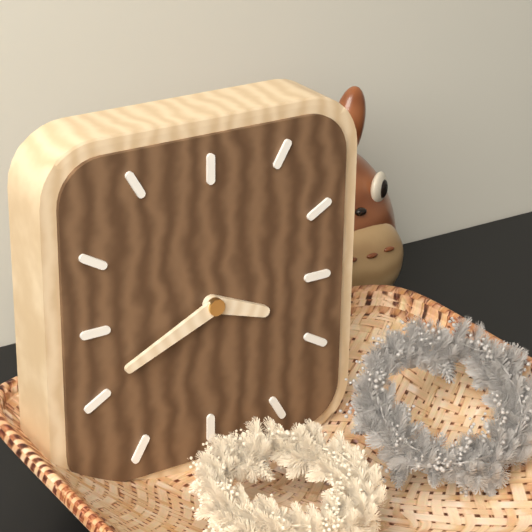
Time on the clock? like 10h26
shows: 3h41
